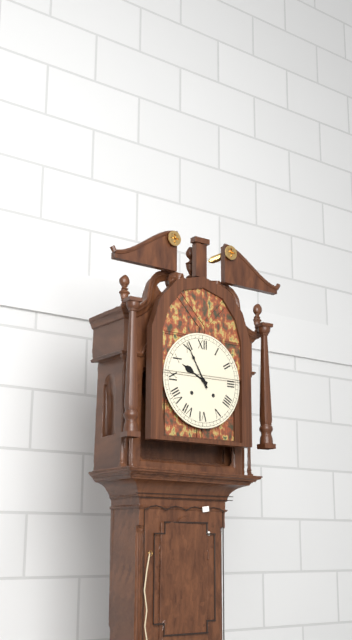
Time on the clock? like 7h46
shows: 9h55
